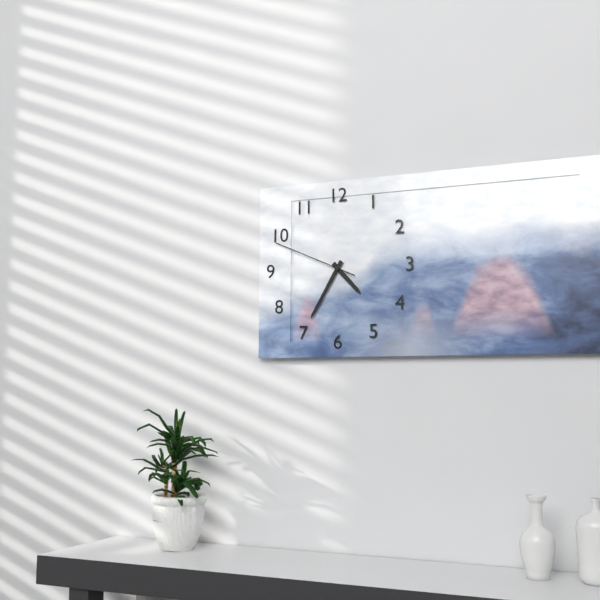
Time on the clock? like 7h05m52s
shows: 4h35m49s
